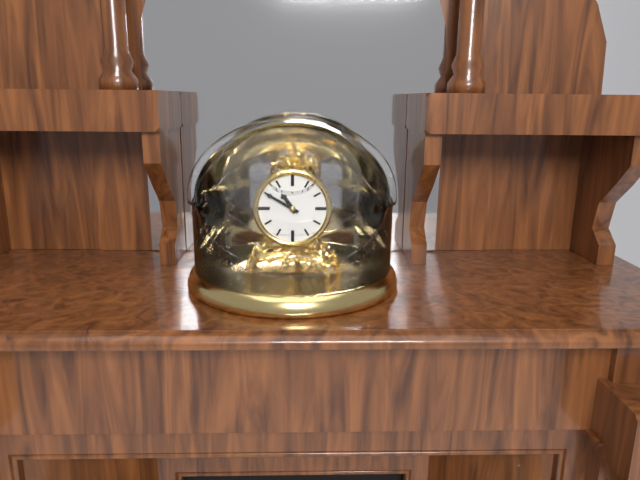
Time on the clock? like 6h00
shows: 10h50
